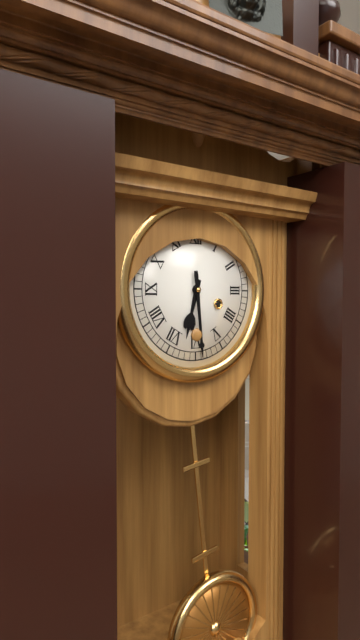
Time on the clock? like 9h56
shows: 6h29
